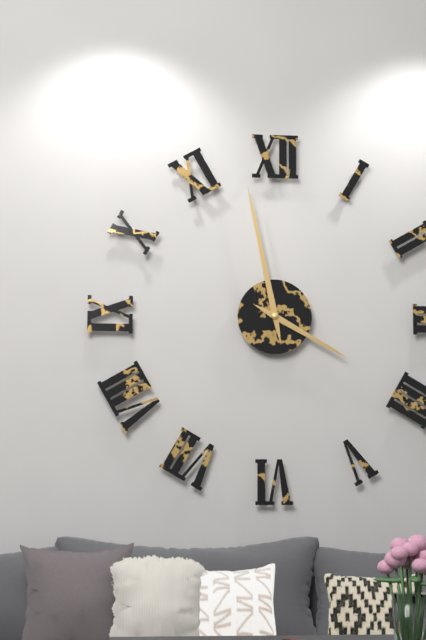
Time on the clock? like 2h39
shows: 3h58
